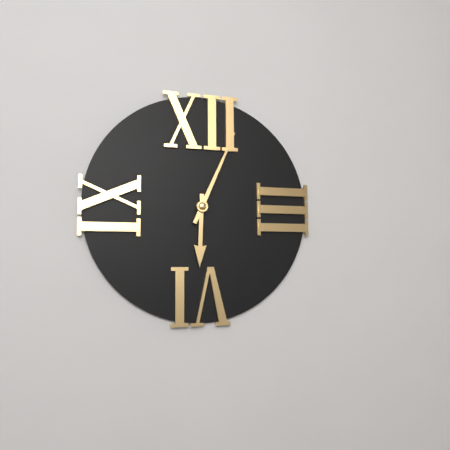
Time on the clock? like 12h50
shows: 6h04
